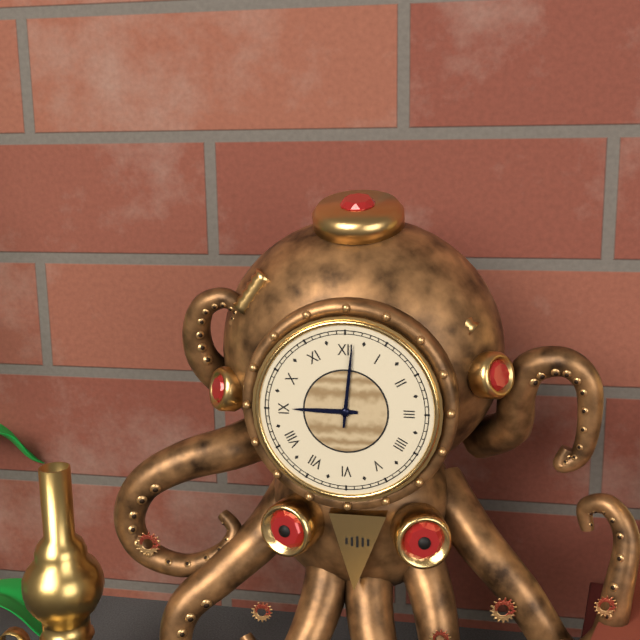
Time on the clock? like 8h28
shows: 9h01
